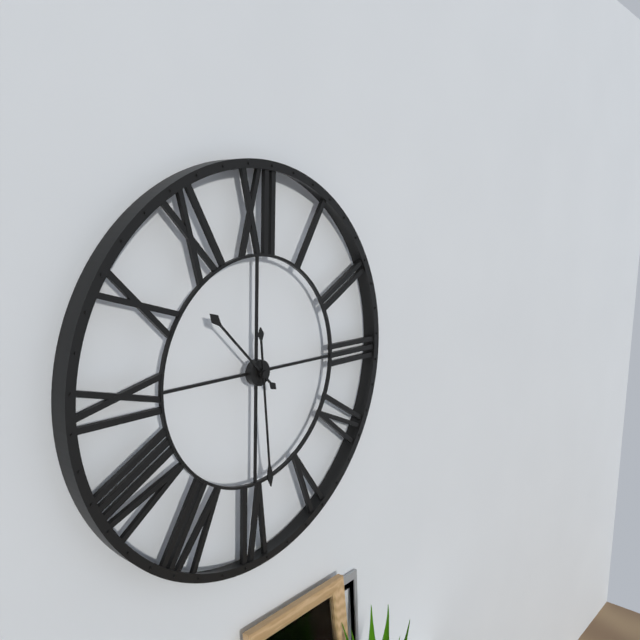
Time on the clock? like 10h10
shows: 10h29
